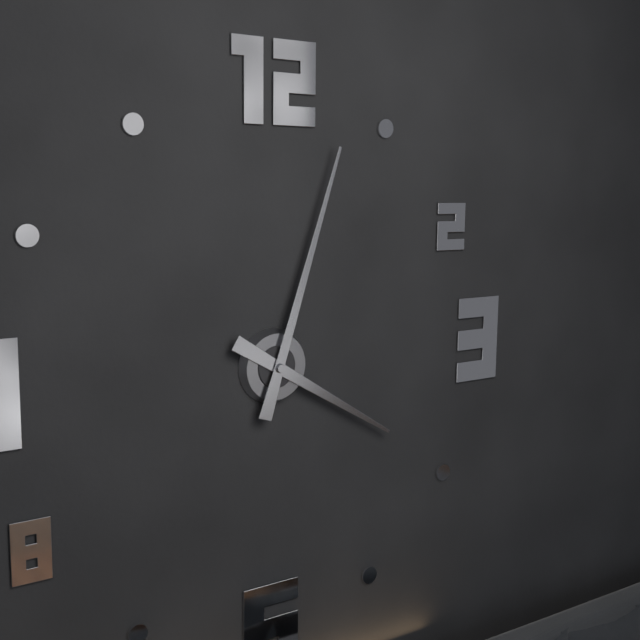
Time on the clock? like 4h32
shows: 4h03
